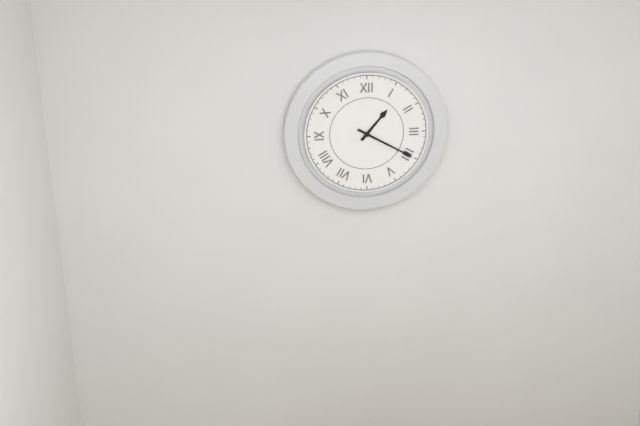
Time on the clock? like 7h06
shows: 1h20
